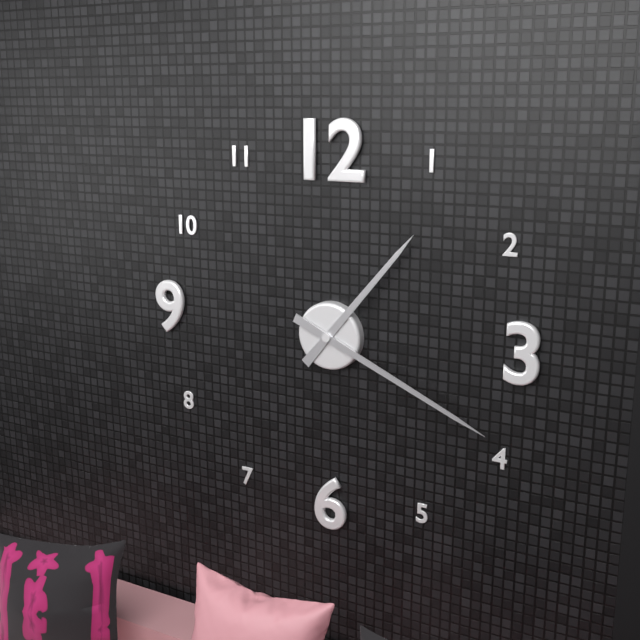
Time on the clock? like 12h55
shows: 1h19
